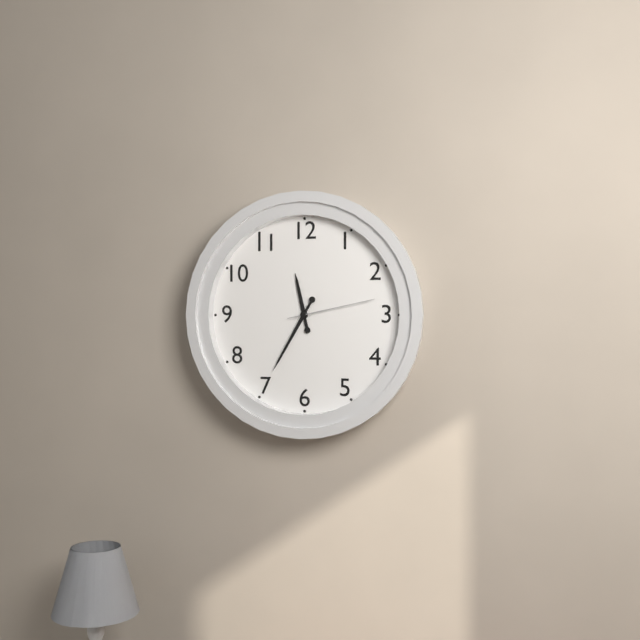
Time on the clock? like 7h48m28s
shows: 11h35m13s
